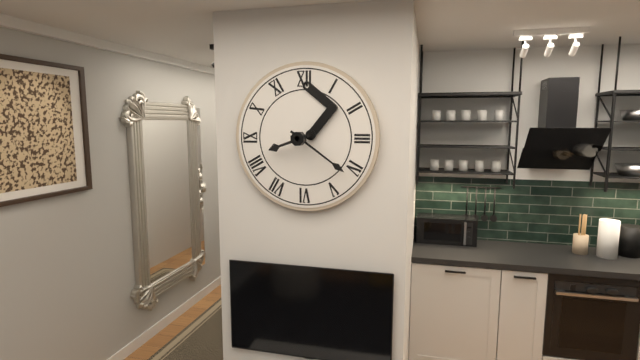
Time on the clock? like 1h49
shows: 8h21
